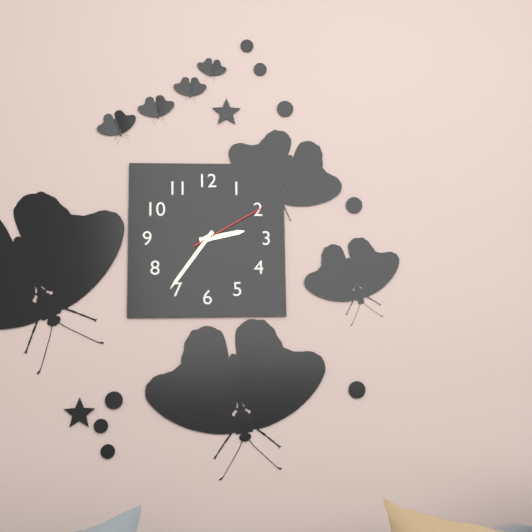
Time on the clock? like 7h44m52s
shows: 2h36m10s
